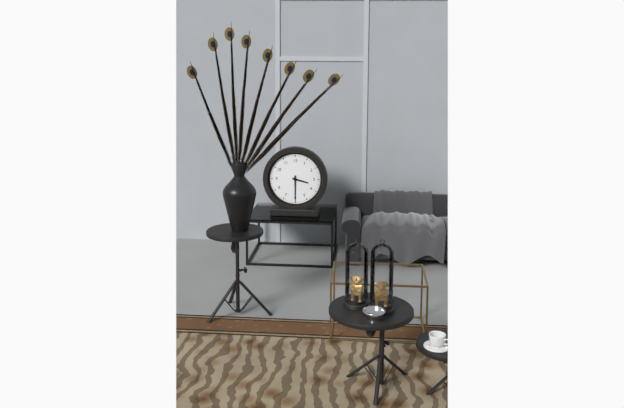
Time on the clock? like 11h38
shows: 3h30
